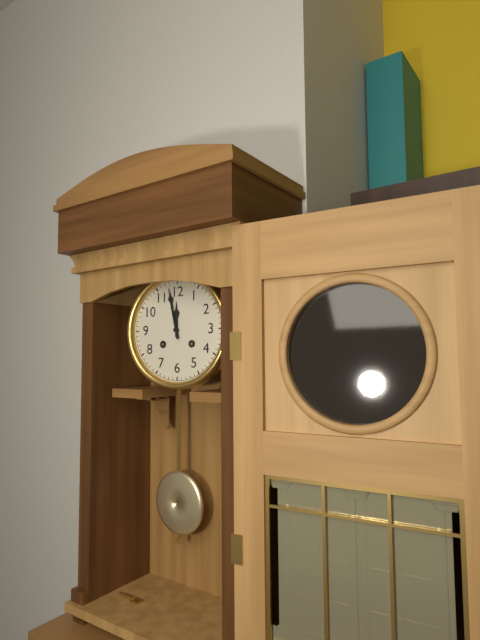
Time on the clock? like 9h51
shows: 11h58
